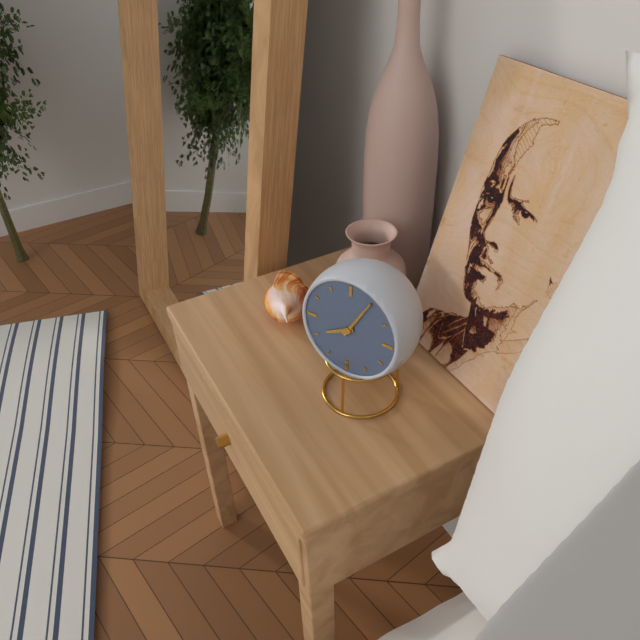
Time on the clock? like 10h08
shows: 8h05
